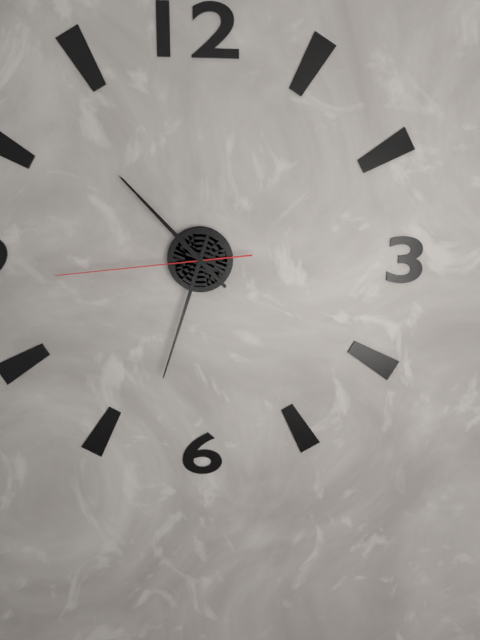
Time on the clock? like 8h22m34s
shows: 10h33m44s
